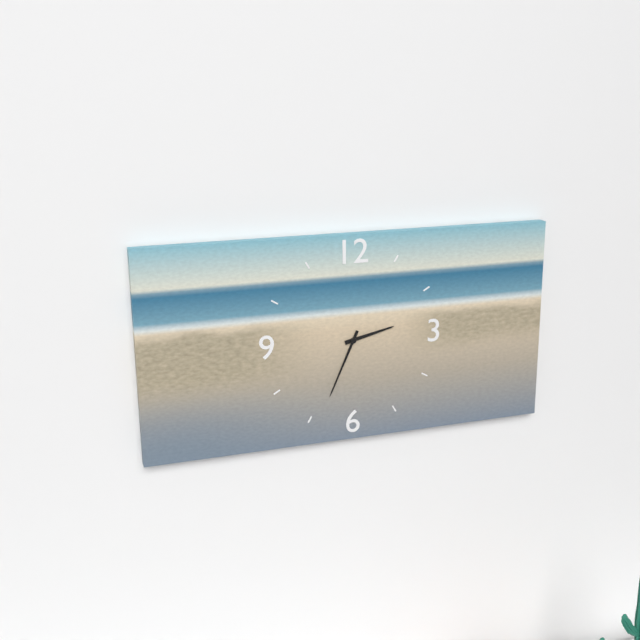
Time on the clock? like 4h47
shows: 2h34
